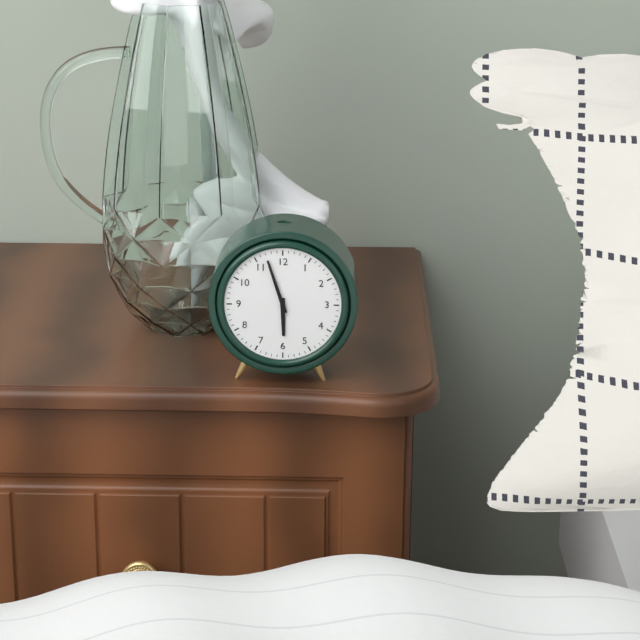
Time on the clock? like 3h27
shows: 5h57
